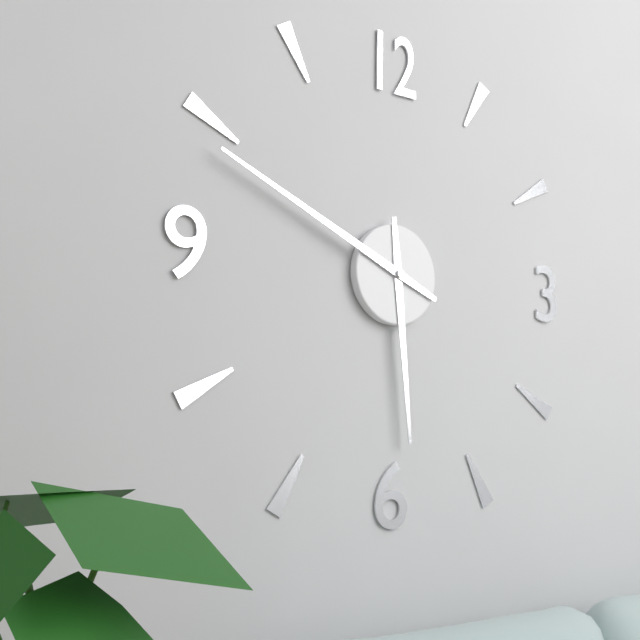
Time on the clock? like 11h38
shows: 5h49
